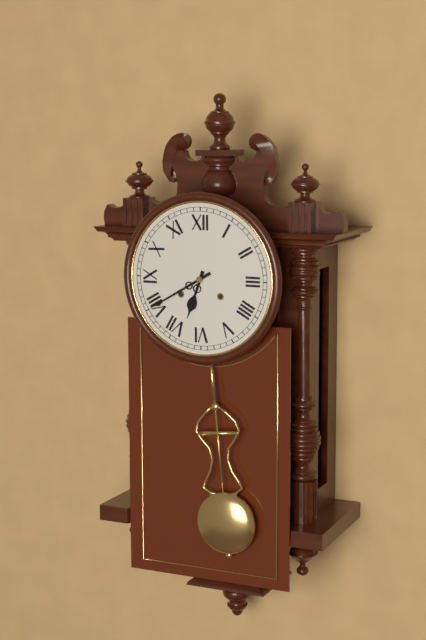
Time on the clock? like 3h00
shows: 6h40
